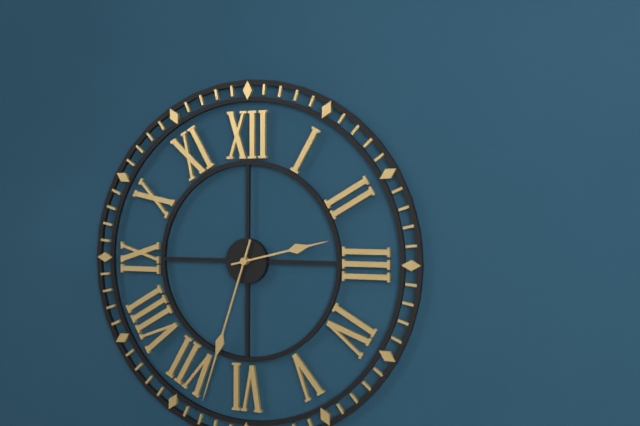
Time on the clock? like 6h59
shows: 2h33
